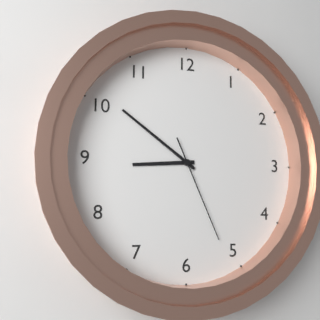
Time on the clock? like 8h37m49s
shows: 8h51m26s
